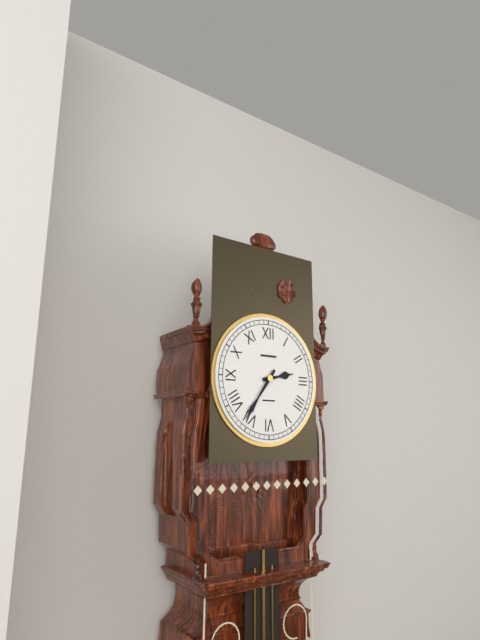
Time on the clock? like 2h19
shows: 2h36
